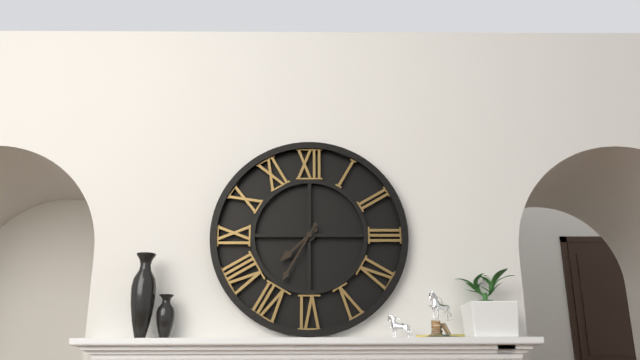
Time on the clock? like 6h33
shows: 7h35
